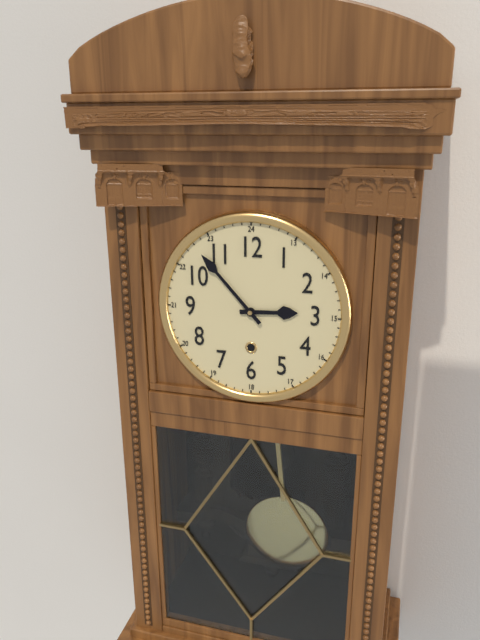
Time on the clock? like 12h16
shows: 2h53
